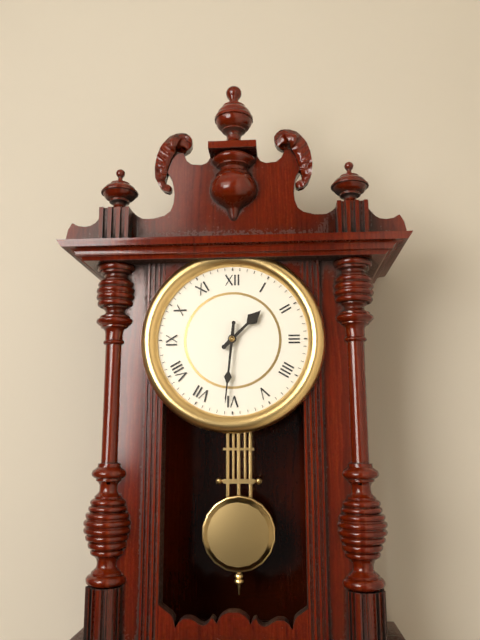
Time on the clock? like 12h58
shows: 1h31
